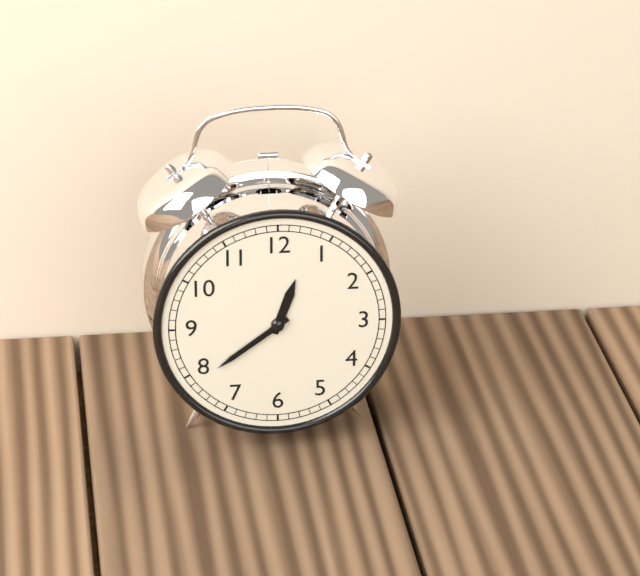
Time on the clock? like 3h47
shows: 12h39
